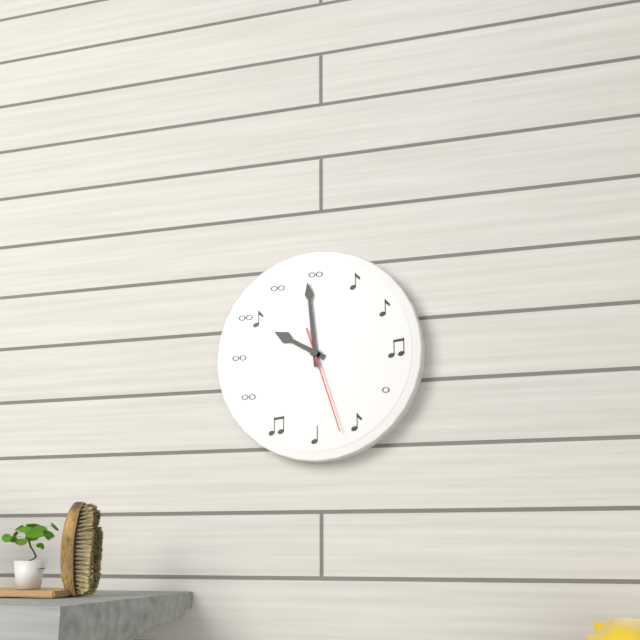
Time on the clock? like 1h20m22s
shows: 9h59m27s
